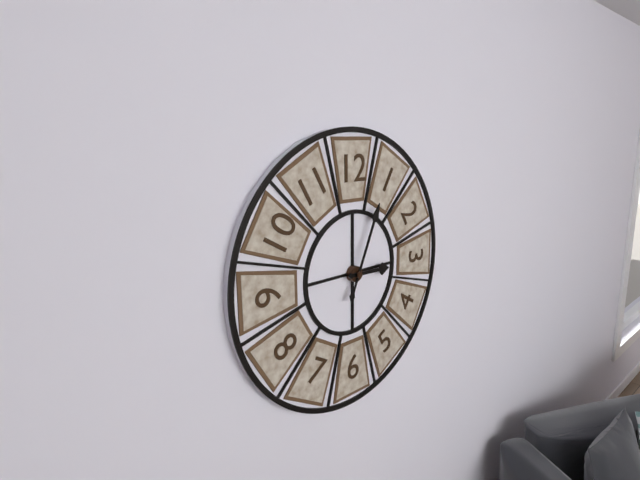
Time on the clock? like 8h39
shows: 3h04
